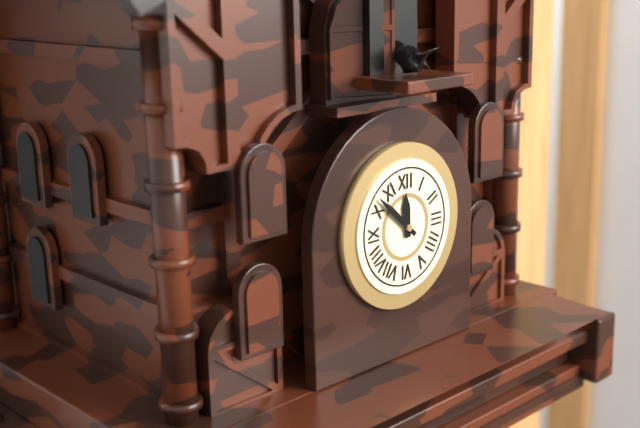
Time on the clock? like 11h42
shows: 11h52
